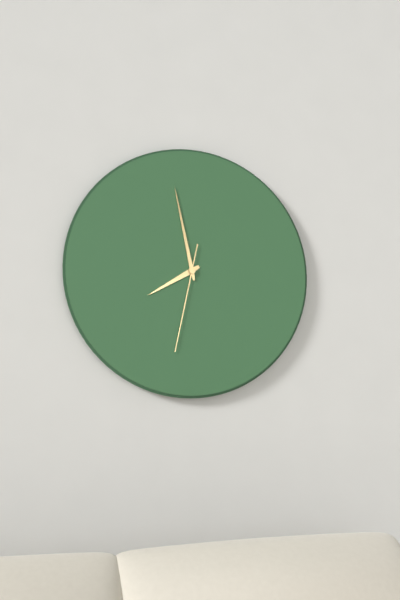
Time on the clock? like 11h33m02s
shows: 7h58m32s
